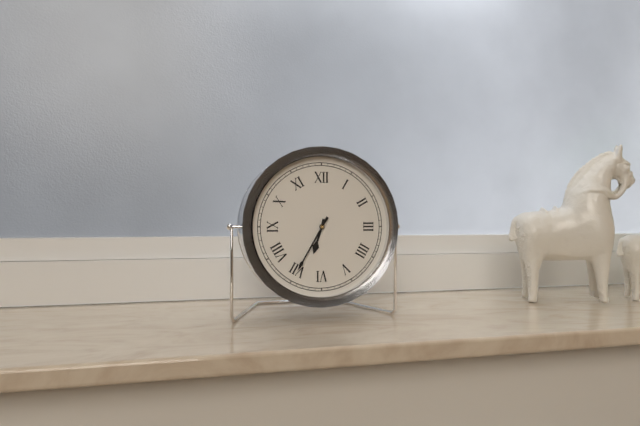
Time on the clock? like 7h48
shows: 6h35
